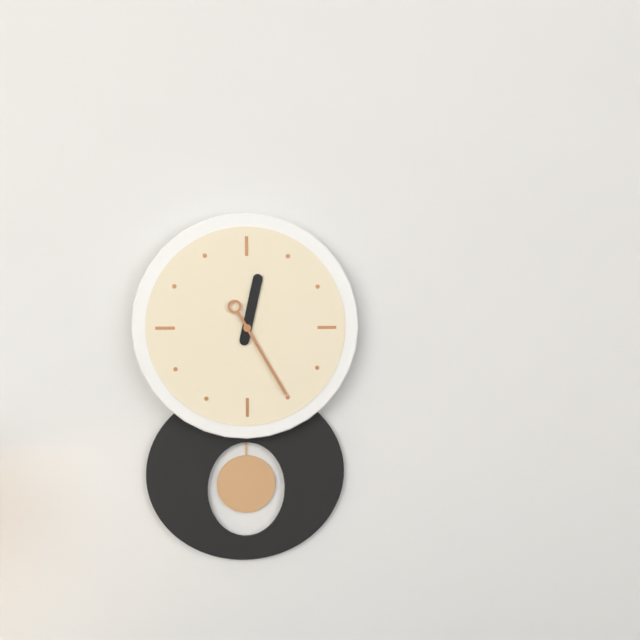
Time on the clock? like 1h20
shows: 12h25
